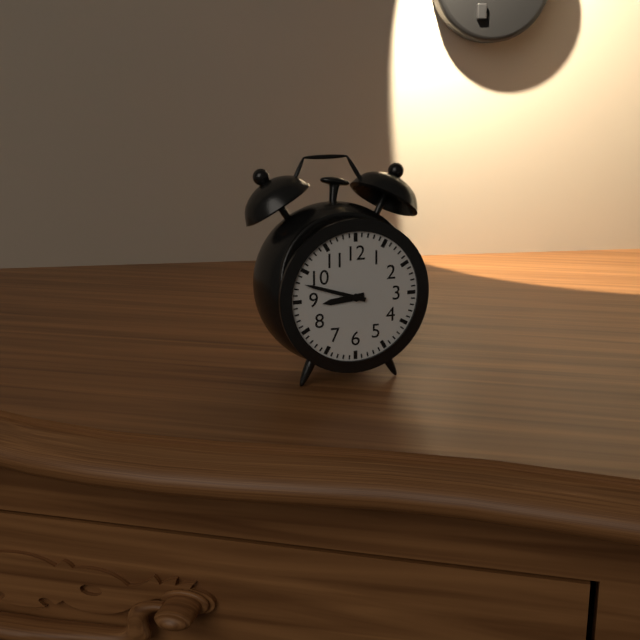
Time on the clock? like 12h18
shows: 8h48
